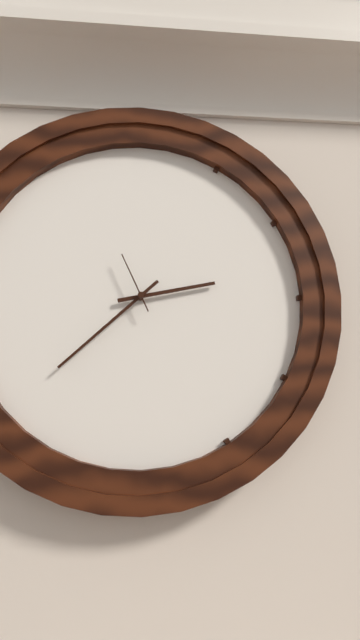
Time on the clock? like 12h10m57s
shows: 2h38m56s
